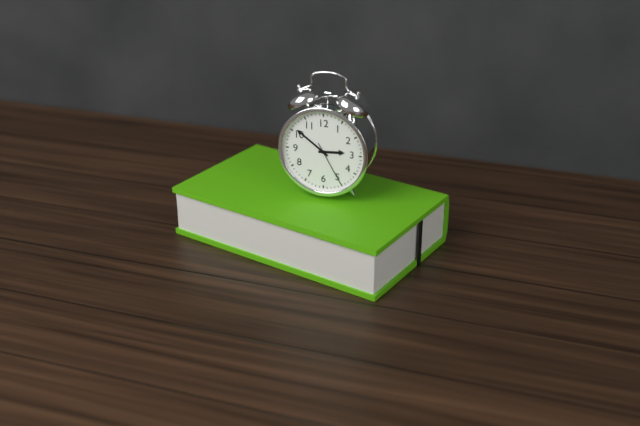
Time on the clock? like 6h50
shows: 2h51
